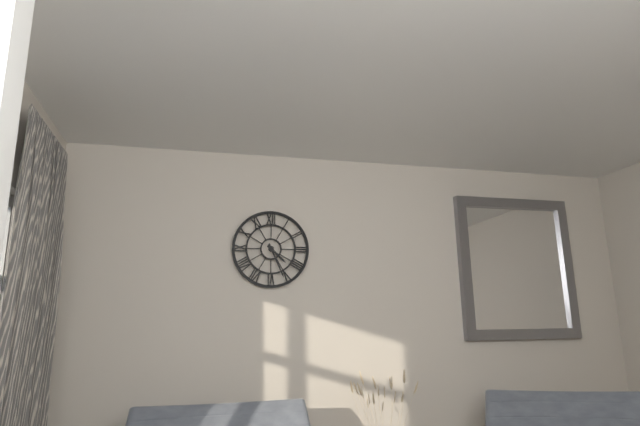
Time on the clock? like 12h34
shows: 4h26
